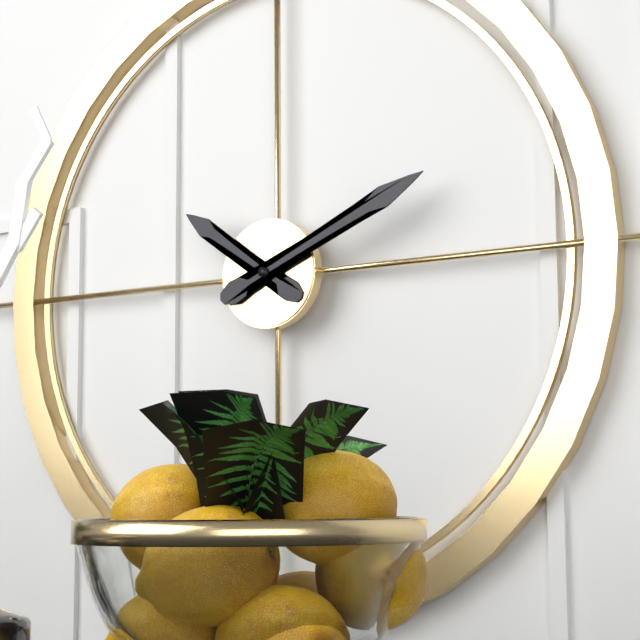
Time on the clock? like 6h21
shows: 10h11
